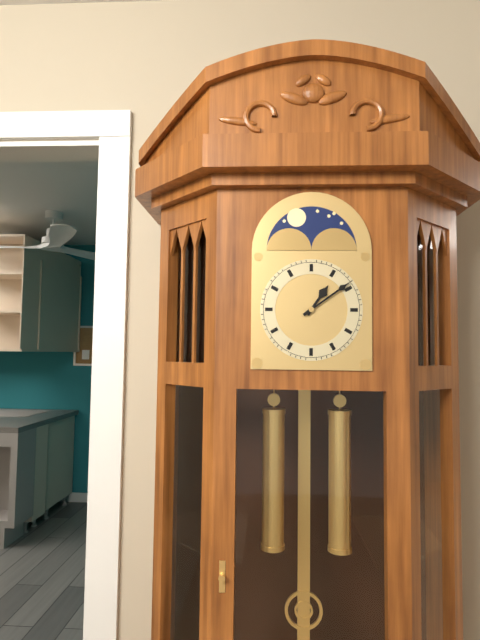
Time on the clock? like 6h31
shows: 1h09
